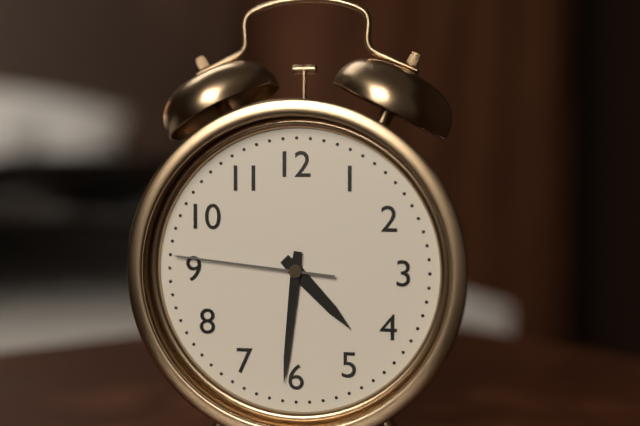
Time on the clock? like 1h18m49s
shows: 4h31m46s
